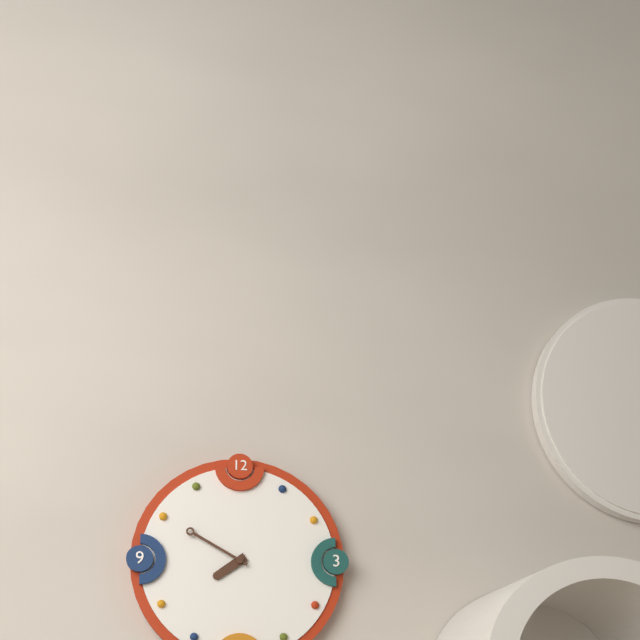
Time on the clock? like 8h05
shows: 7h50
